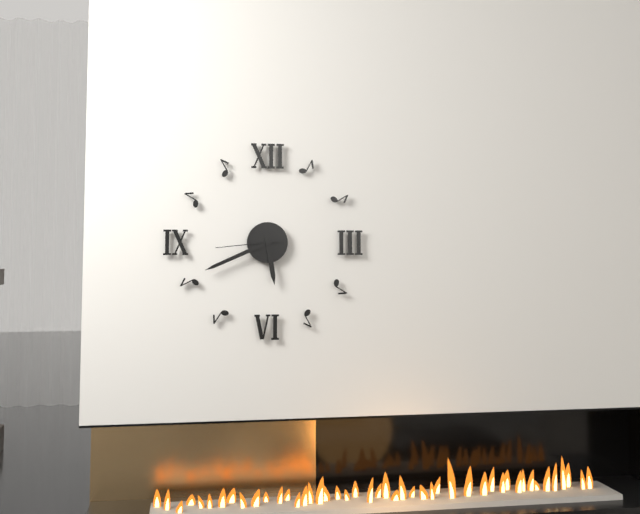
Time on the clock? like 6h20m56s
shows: 5h41m44s
